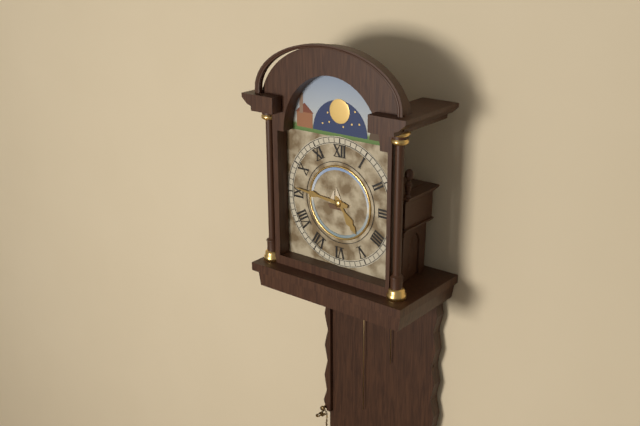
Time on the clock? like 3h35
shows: 4h46
